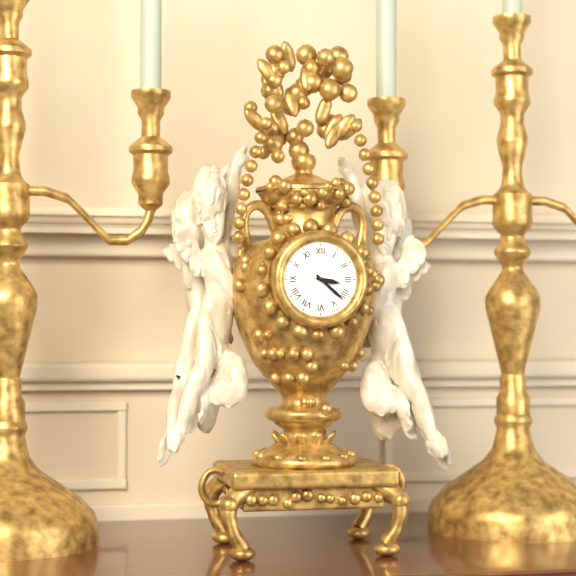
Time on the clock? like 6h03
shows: 3h22
